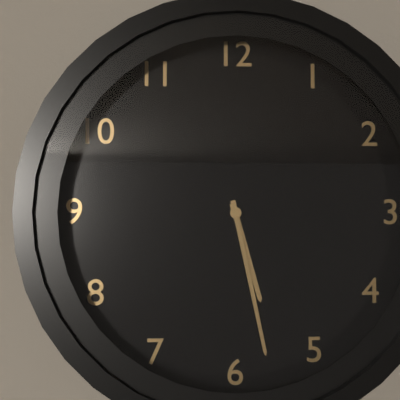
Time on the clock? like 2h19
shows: 5h28
